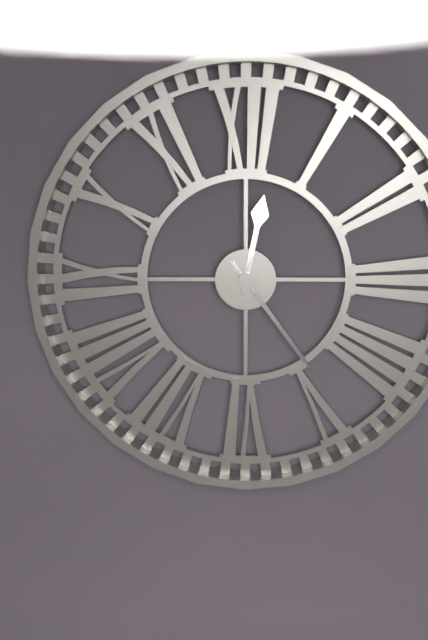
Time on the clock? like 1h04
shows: 12h24
